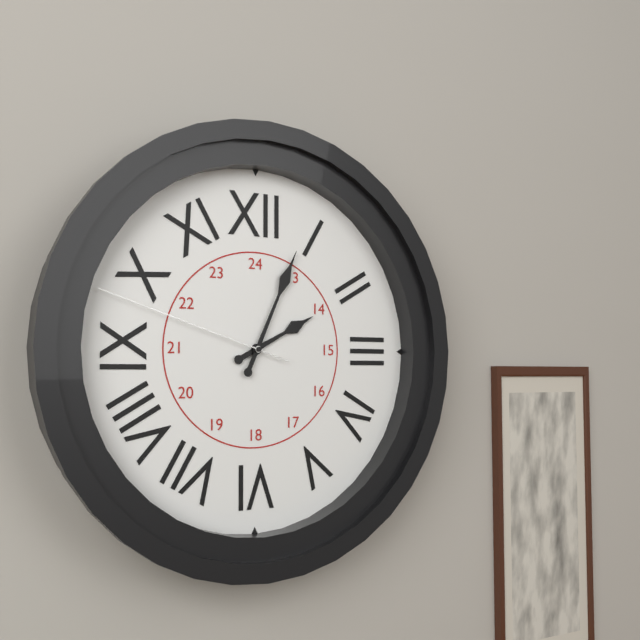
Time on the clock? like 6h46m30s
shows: 2h04m48s
